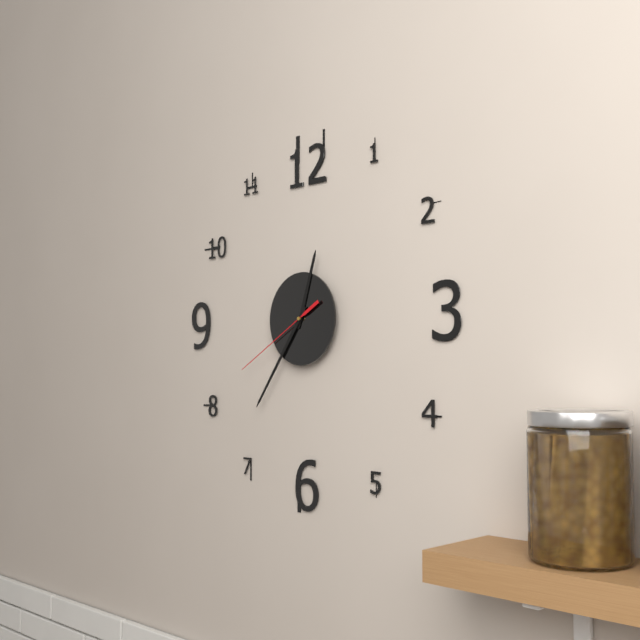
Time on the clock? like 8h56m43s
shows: 12h36m40s
